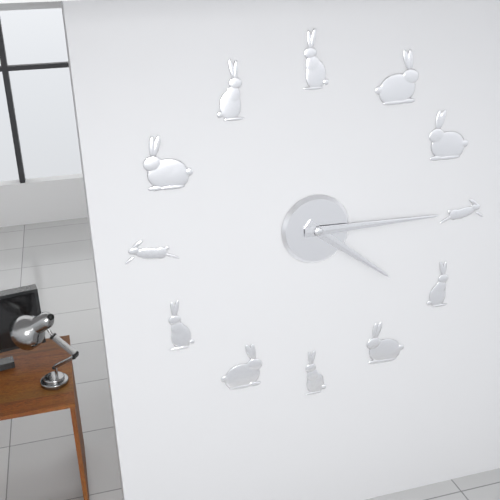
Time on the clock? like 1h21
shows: 4h15
